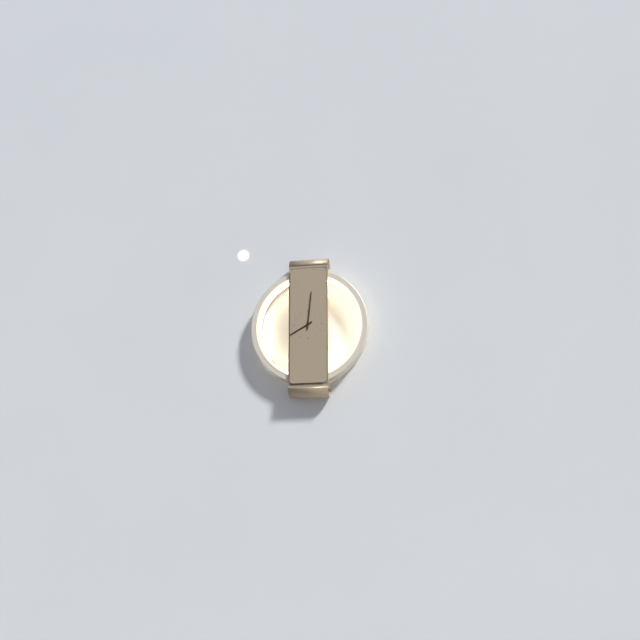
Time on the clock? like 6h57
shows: 8h01
